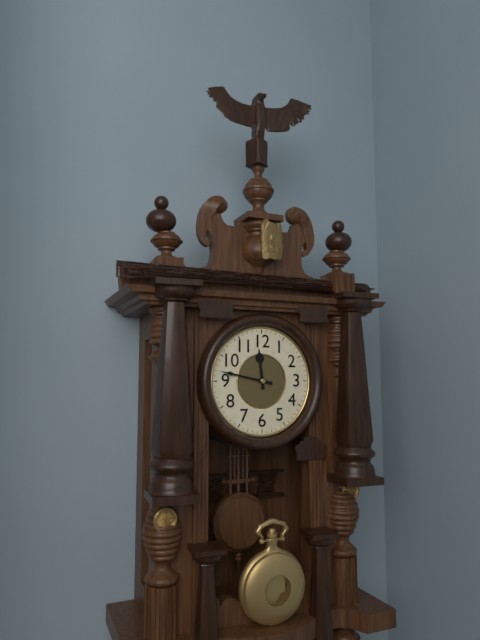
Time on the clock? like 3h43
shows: 11h47
